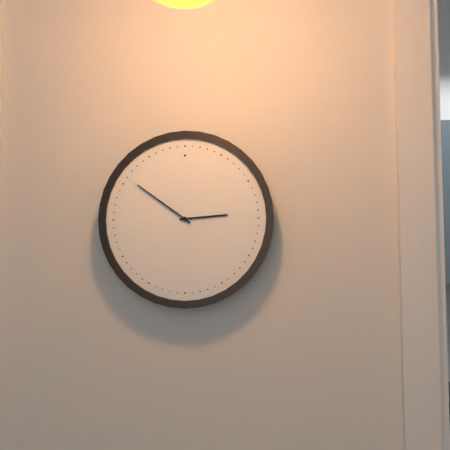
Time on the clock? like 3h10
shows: 2h51
